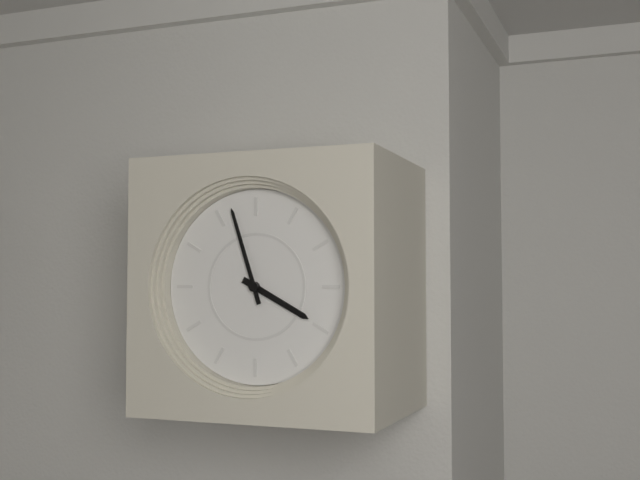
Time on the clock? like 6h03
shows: 3h57
